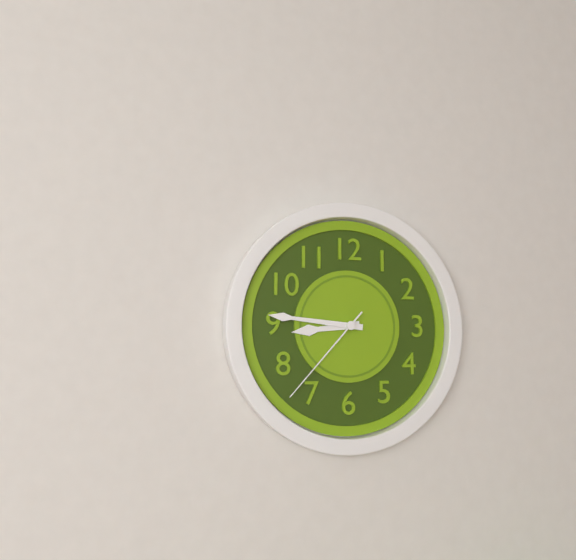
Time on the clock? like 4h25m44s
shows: 8h46m37s
